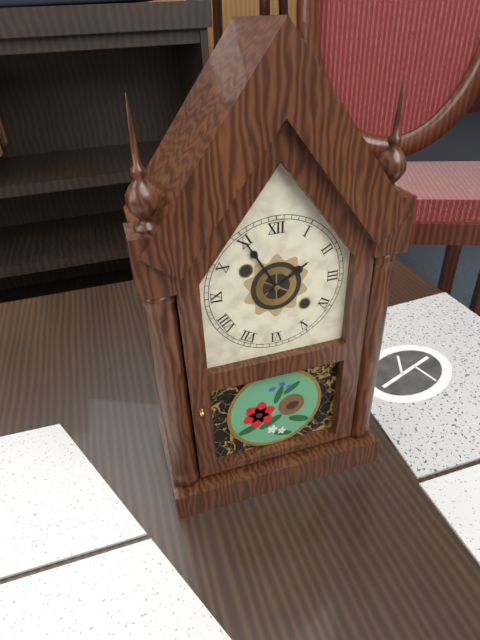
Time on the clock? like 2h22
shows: 1h55
